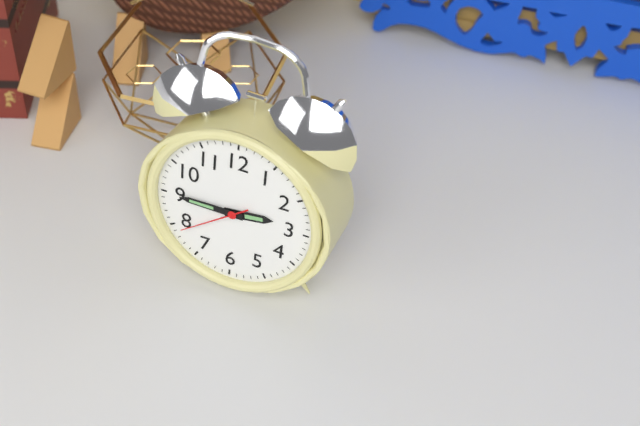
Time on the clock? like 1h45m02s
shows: 2h45m39s
